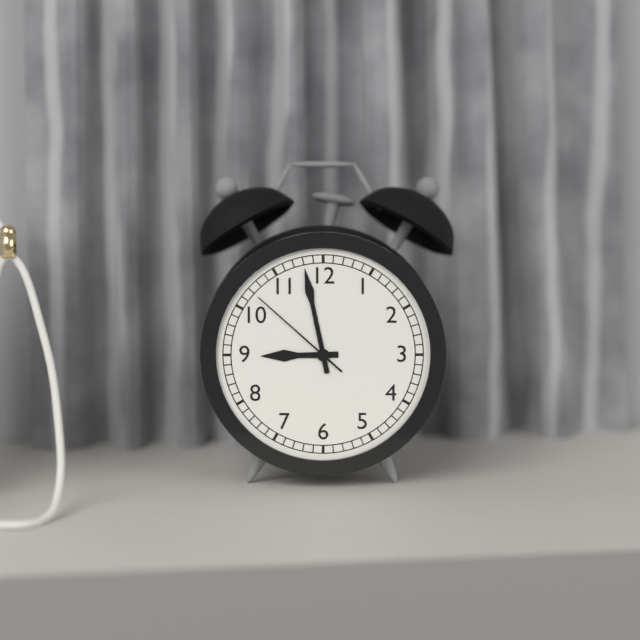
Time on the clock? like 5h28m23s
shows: 8h58m52s
